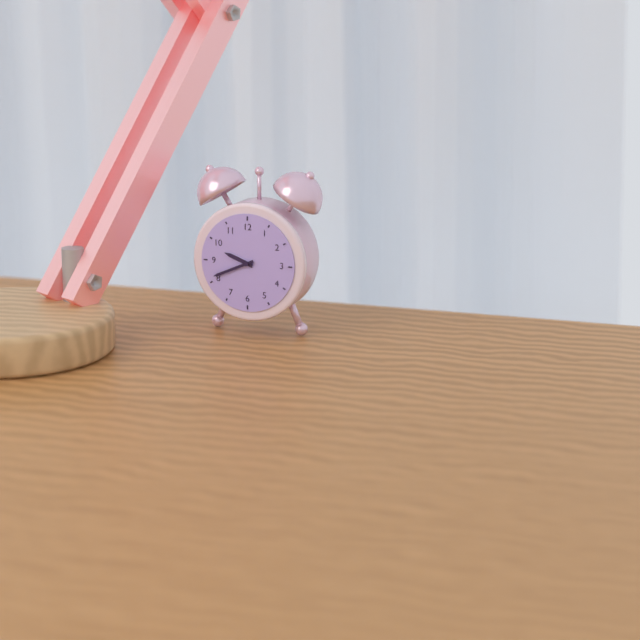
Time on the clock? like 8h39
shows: 9h41
